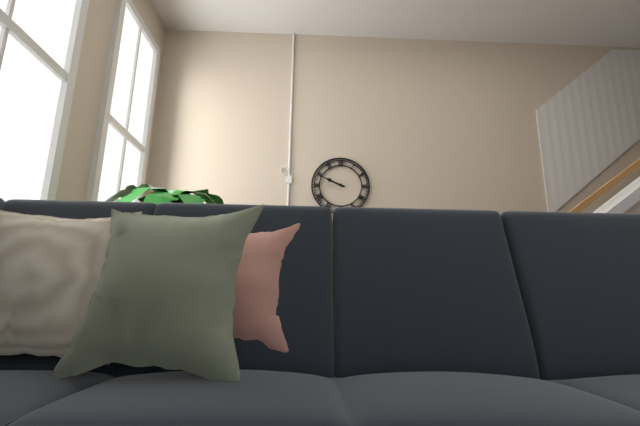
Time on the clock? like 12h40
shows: 9h49
